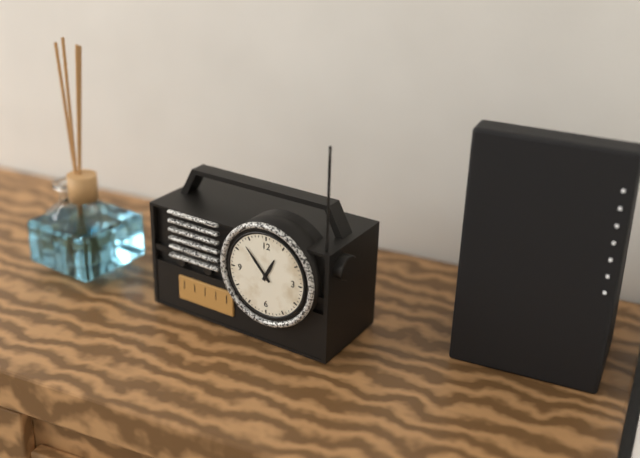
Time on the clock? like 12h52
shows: 12h53
